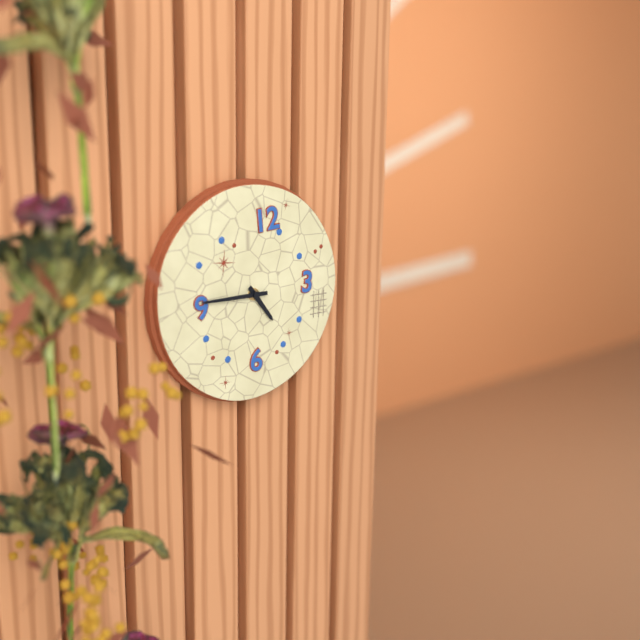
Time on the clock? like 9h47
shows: 4h45
